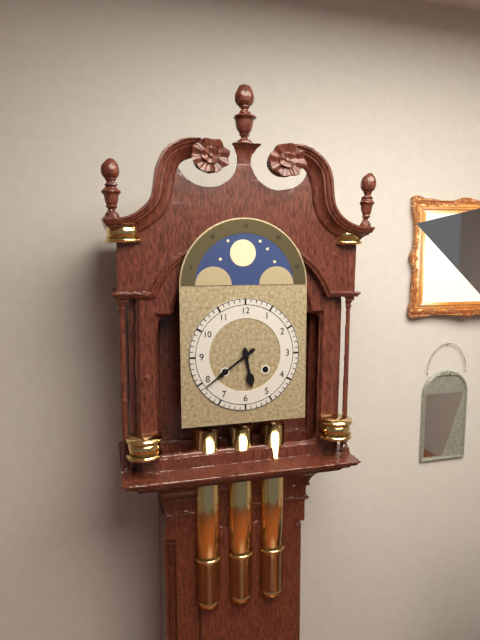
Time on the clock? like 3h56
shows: 5h39
